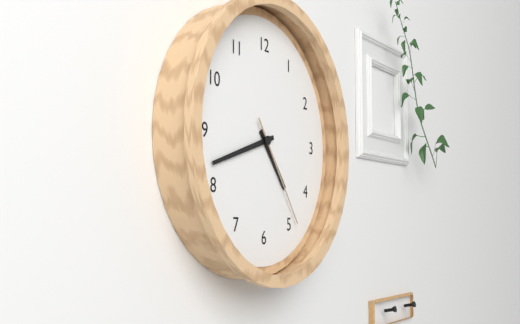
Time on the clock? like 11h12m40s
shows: 4h42m24s
